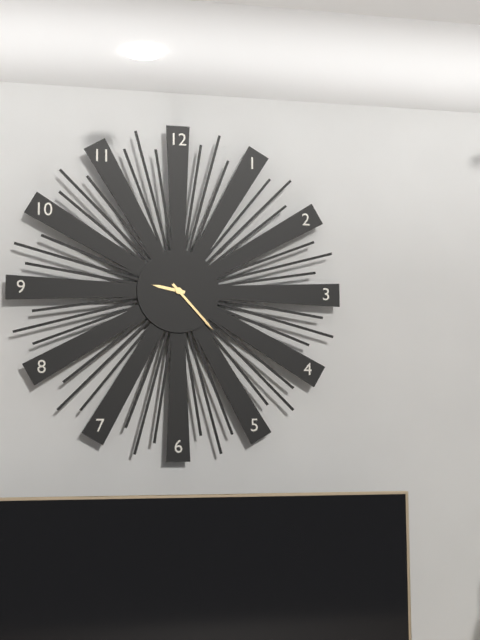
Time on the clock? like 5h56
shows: 9h23
